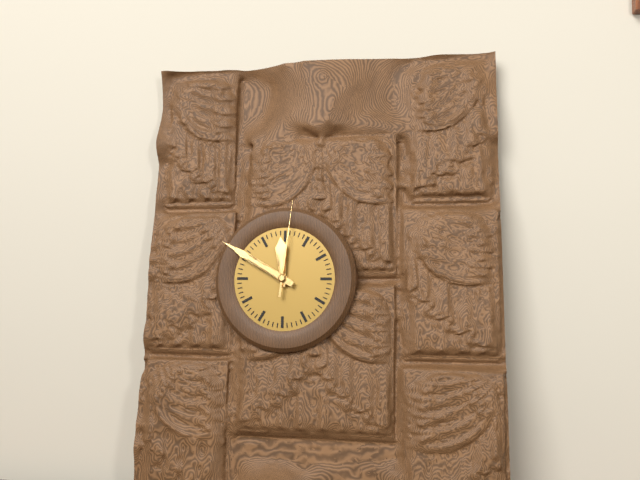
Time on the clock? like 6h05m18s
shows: 11h50m01s
